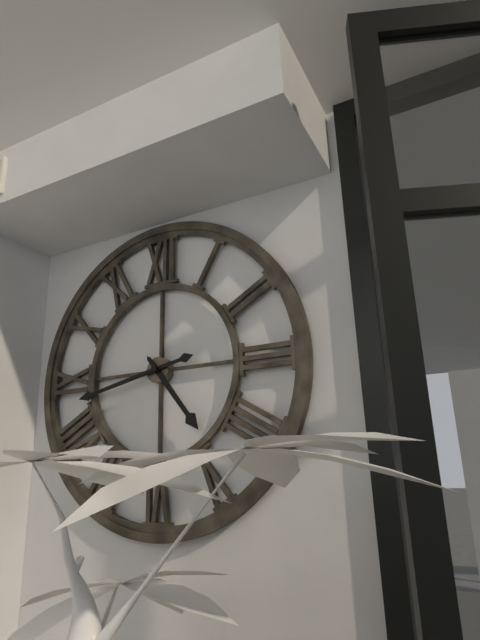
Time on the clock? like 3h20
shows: 4h43
